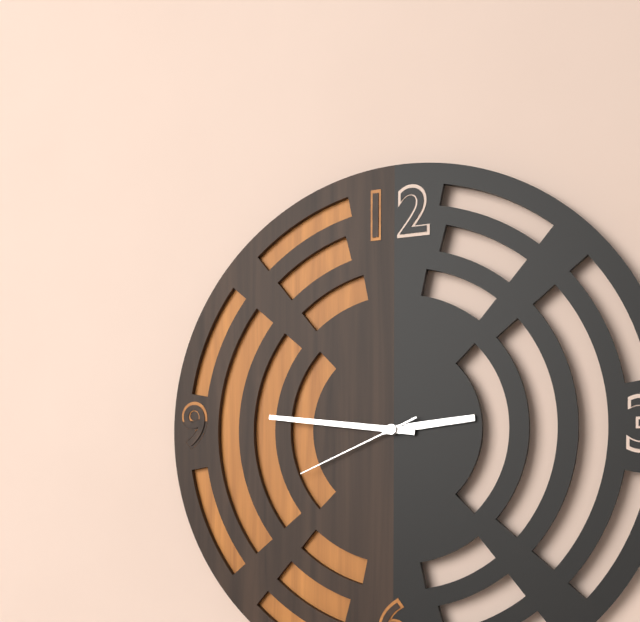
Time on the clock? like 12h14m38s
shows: 2h46m41s
